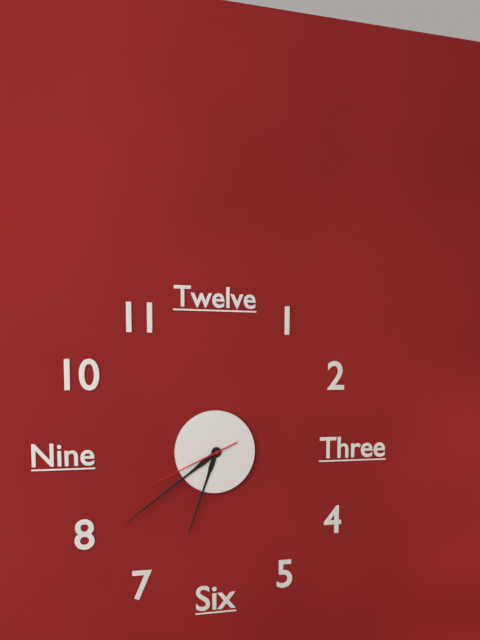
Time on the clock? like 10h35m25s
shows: 6h39m41s
